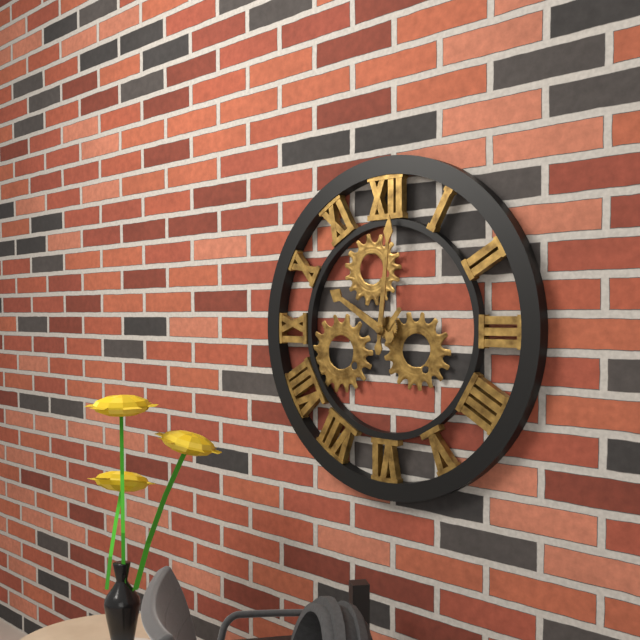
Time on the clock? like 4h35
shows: 10h01
